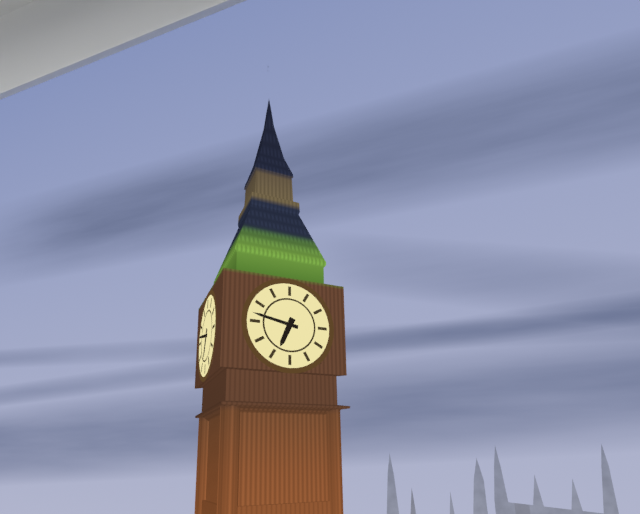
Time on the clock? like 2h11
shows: 6h47
